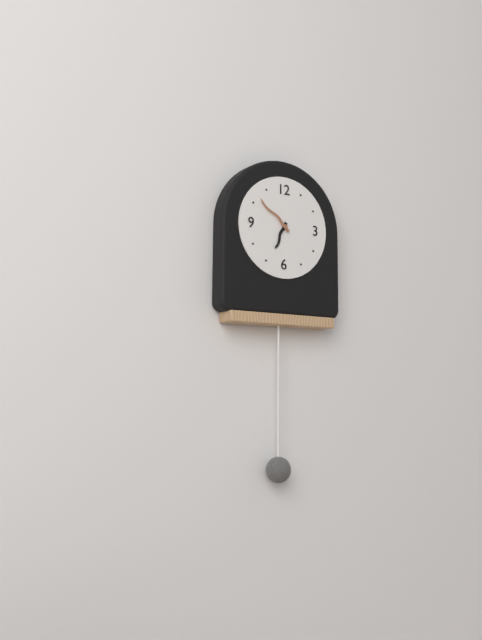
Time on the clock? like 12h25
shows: 6h52
